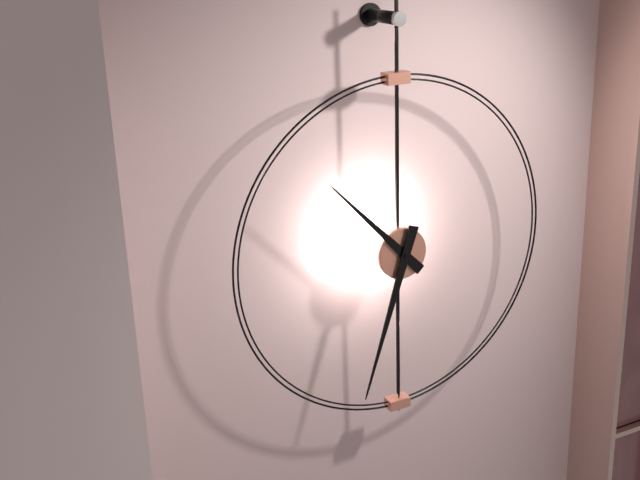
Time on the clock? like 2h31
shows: 10h33
